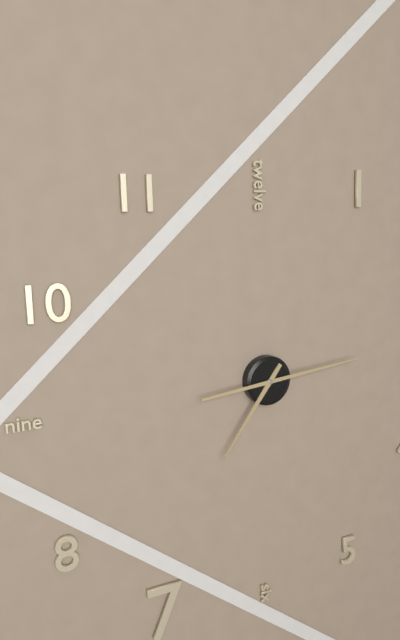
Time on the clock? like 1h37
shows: 7h14
